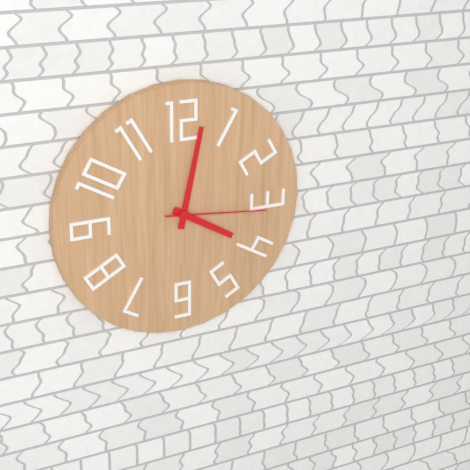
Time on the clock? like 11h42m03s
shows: 4h02m16s
